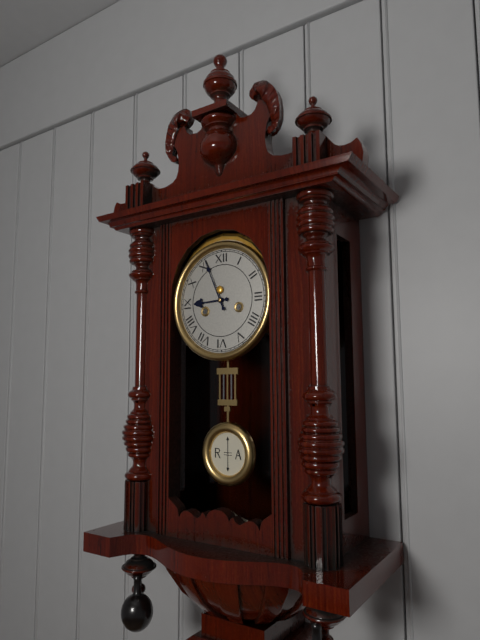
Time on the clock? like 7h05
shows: 8h56
